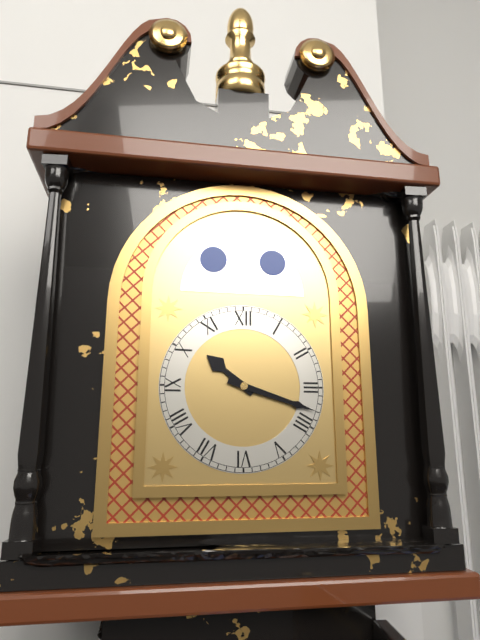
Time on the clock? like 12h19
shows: 10h18
